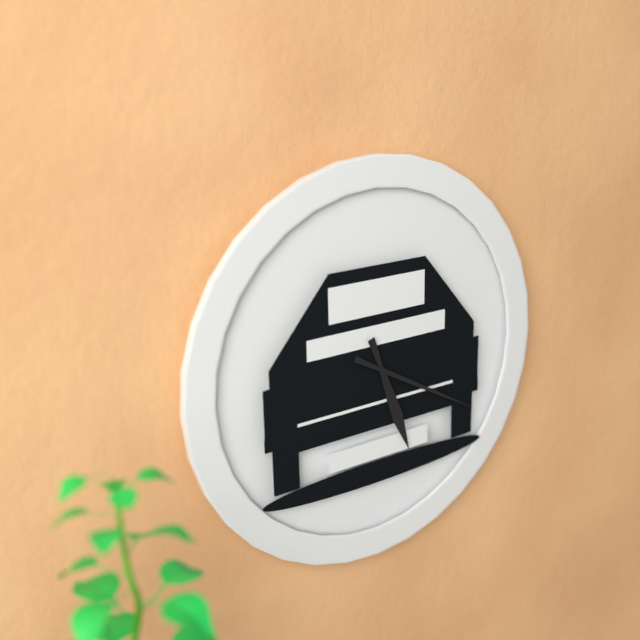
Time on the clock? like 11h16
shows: 5h20
